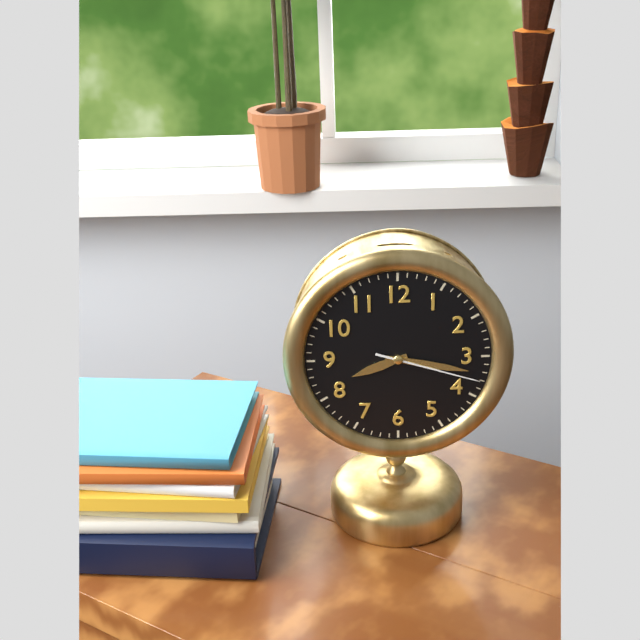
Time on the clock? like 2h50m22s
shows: 8h17m18s
